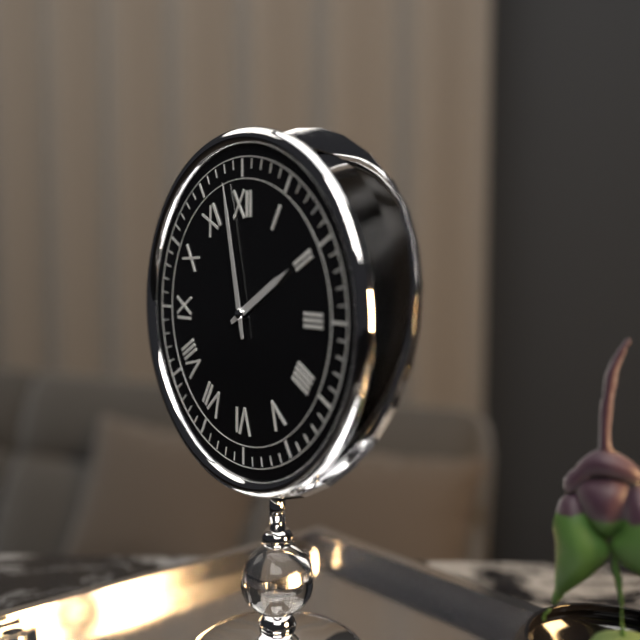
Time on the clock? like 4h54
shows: 1h58
